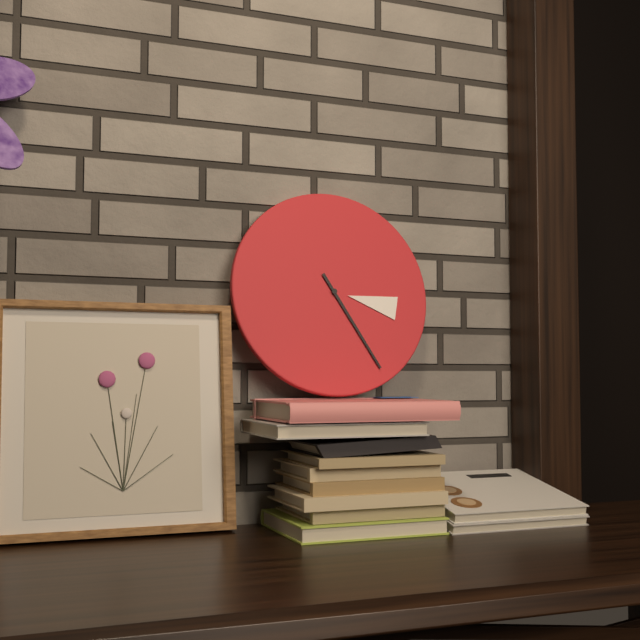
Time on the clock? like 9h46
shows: 3h25
